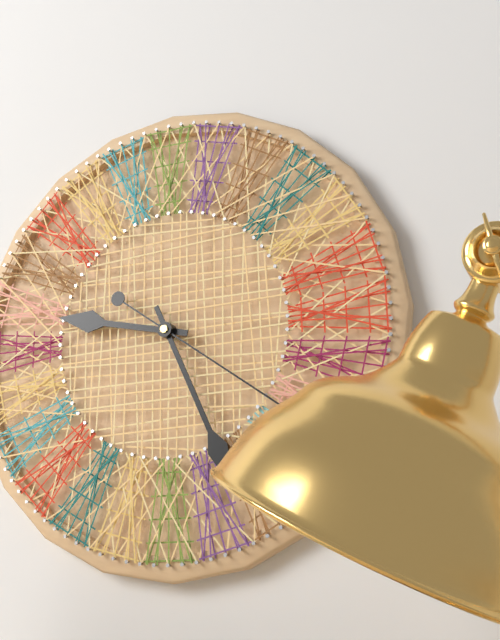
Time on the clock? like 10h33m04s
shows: 9h26m21s
